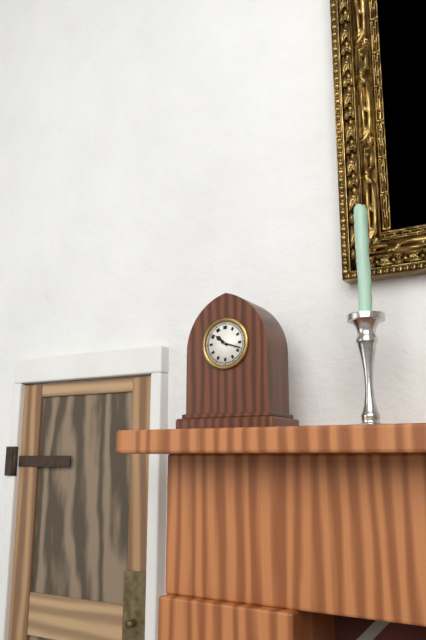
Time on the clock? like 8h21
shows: 10h18
